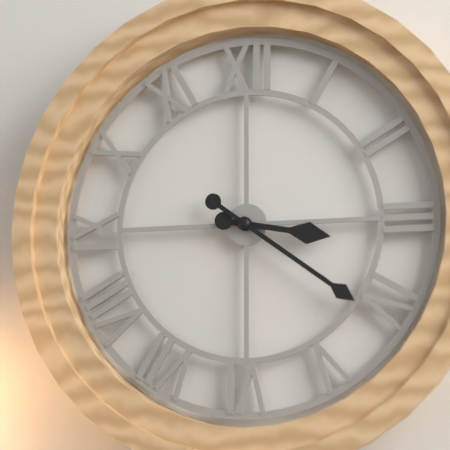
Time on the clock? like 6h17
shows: 3h21
